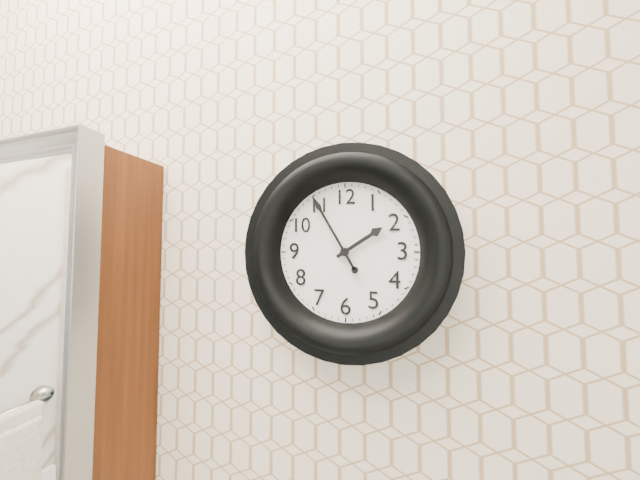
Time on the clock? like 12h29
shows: 1h55
